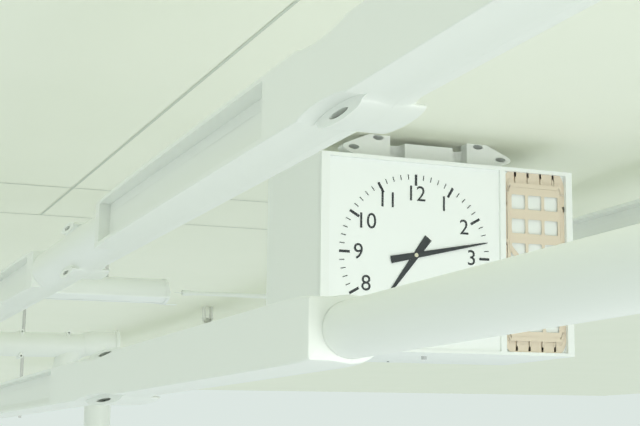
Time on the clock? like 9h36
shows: 7h13
